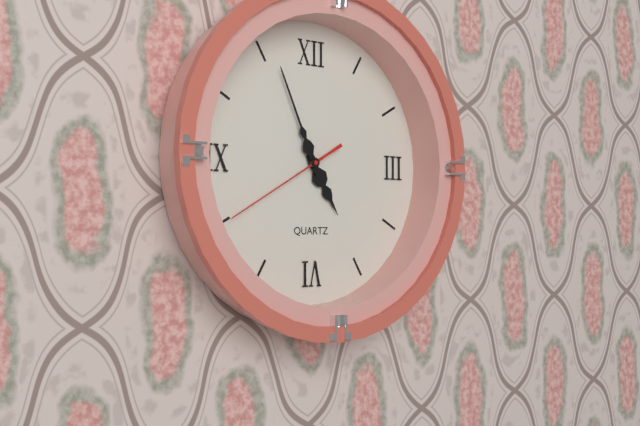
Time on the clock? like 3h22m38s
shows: 4h56m40s
